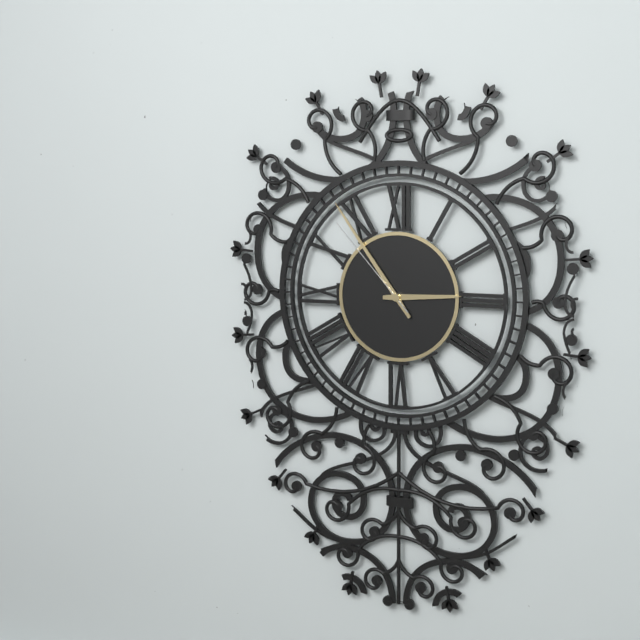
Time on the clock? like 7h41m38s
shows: 2h54m53s
